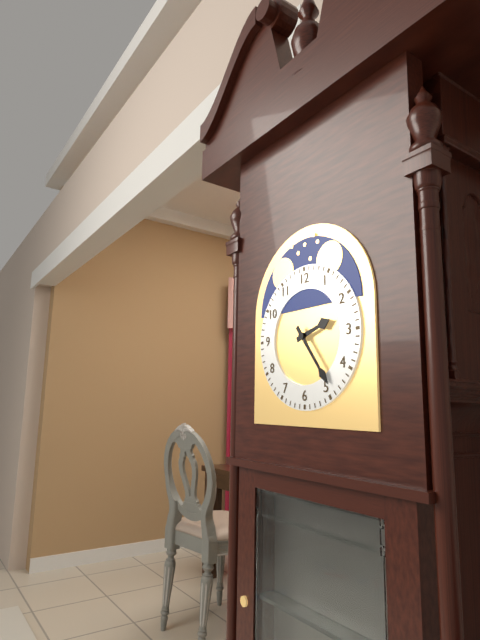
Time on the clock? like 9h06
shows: 2h24
